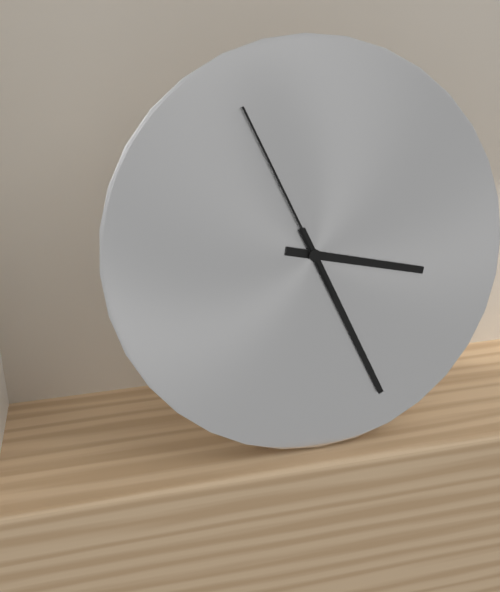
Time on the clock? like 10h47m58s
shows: 3h26m56s
